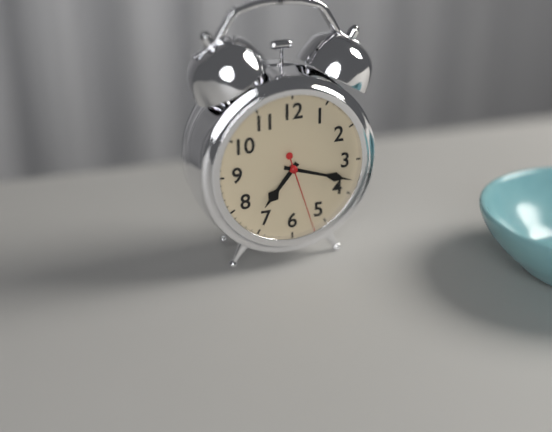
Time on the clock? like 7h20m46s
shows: 7h18m27s
